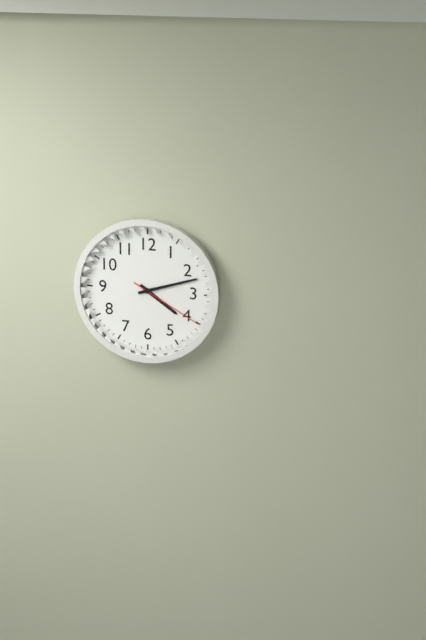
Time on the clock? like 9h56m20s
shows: 4h12m20s
